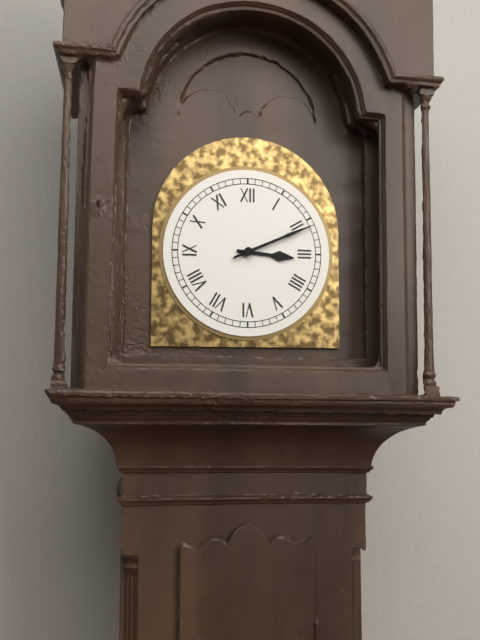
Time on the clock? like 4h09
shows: 3h11
